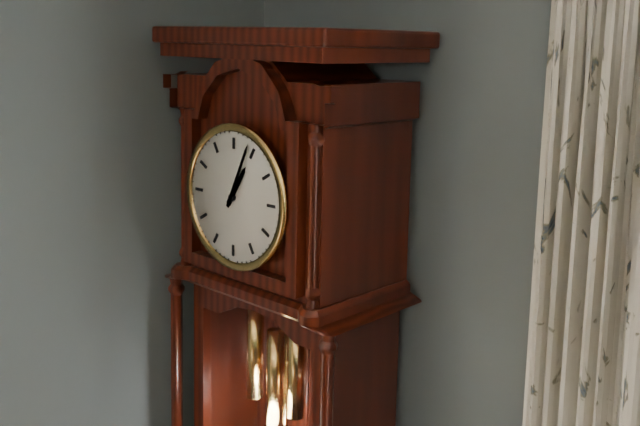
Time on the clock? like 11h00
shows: 1h04
